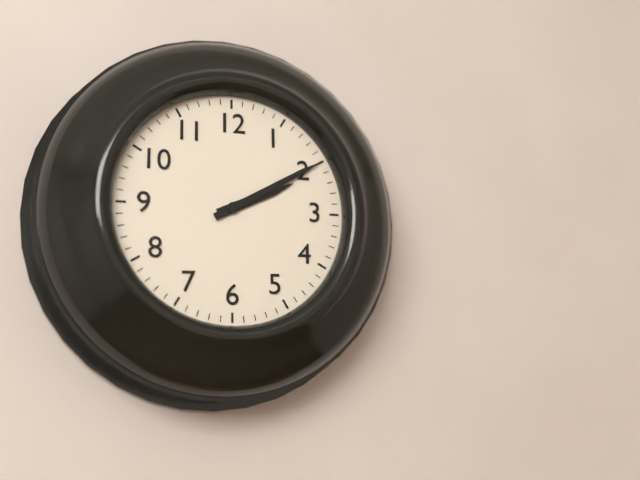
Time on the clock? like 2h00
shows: 2h10
